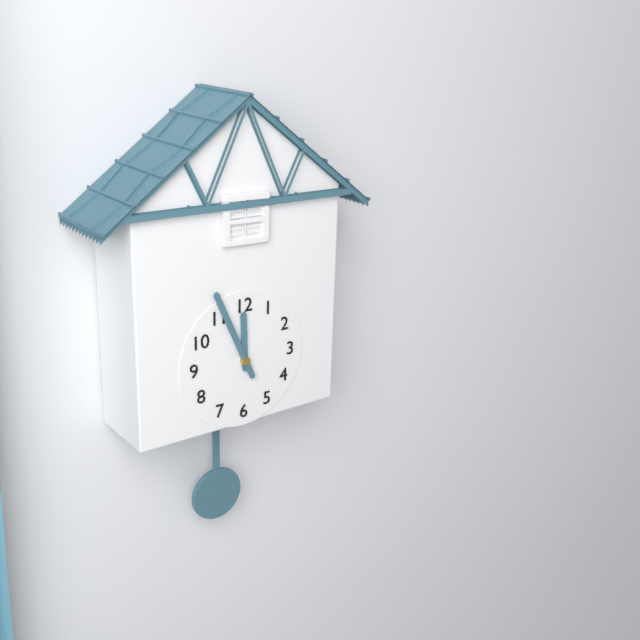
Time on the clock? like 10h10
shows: 11h56
